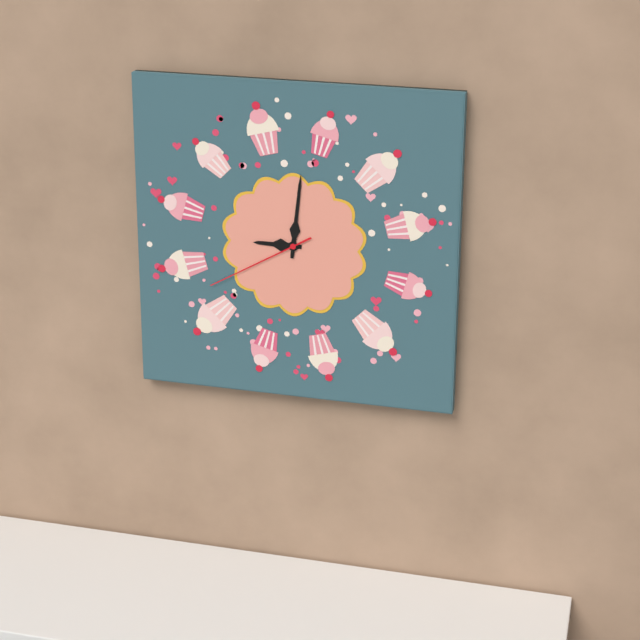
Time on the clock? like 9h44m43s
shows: 9h01m40s
